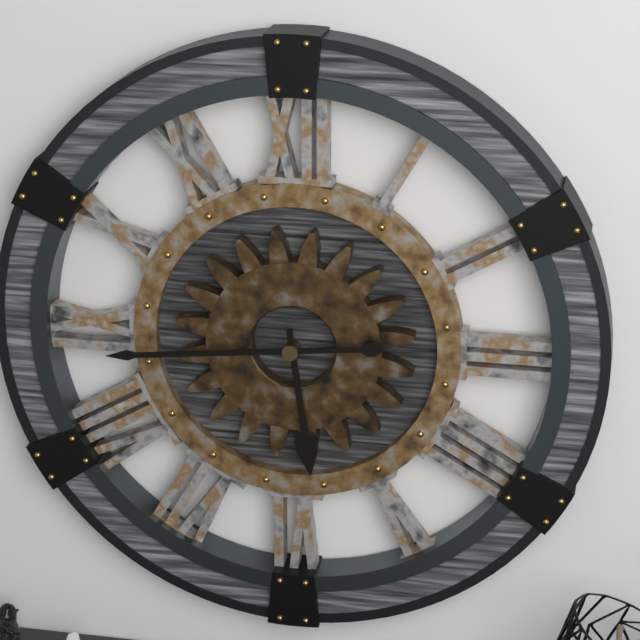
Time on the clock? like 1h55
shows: 5h44
